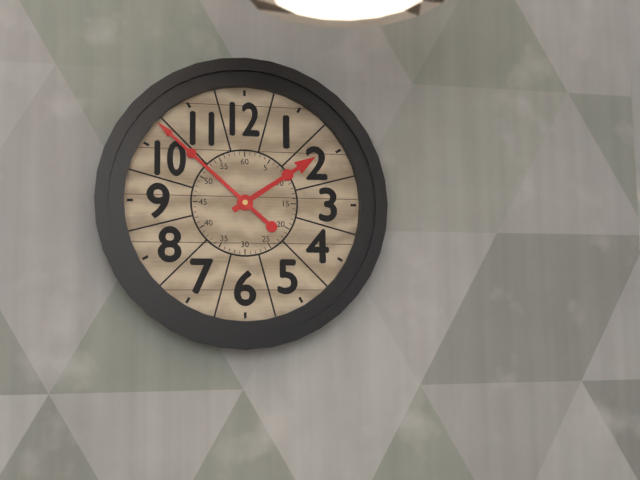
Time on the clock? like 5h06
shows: 1h52
